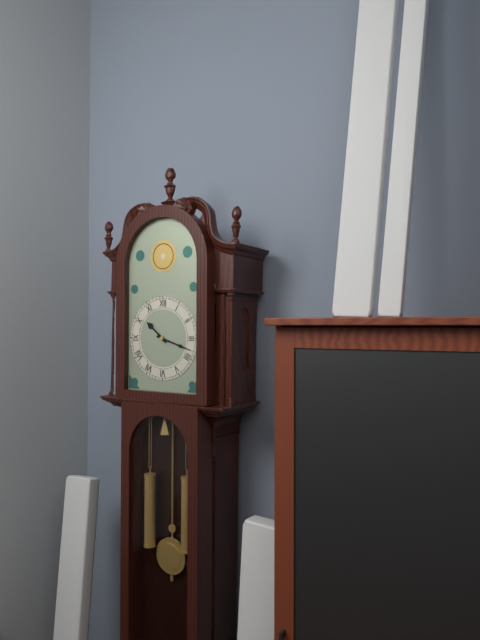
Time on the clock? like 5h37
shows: 10h18
